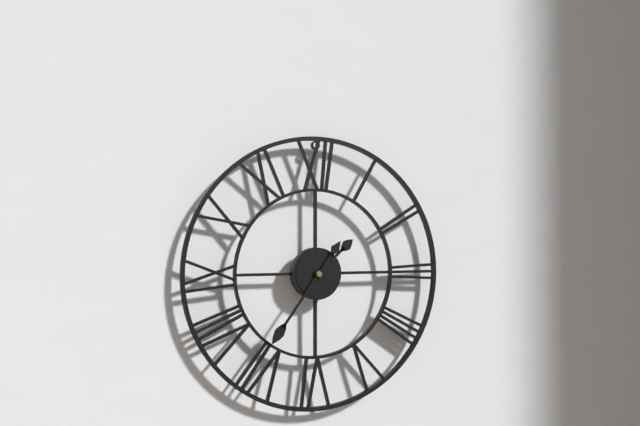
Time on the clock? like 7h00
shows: 1h36
